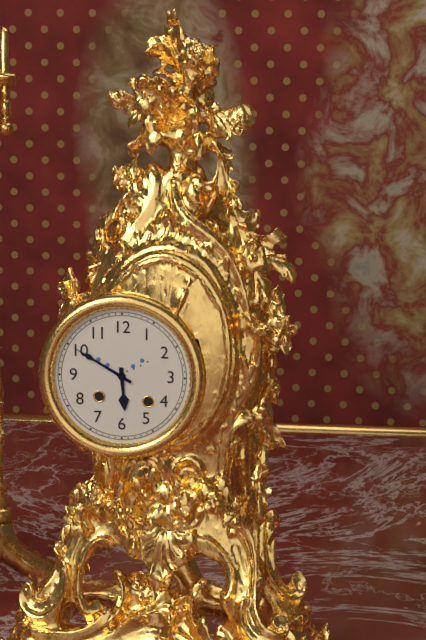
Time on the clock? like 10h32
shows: 5h50
